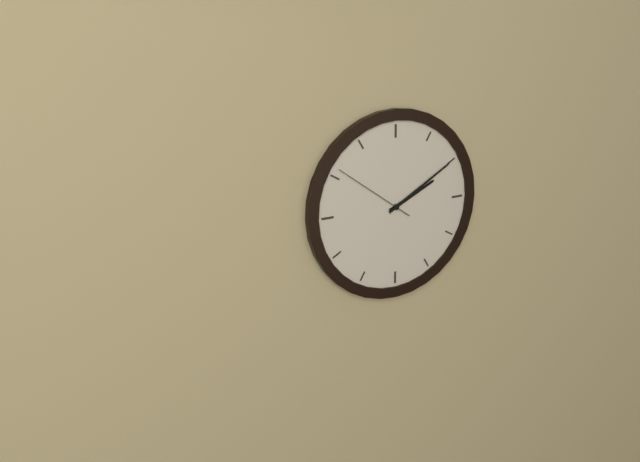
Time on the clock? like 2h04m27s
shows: 2h10m51s
